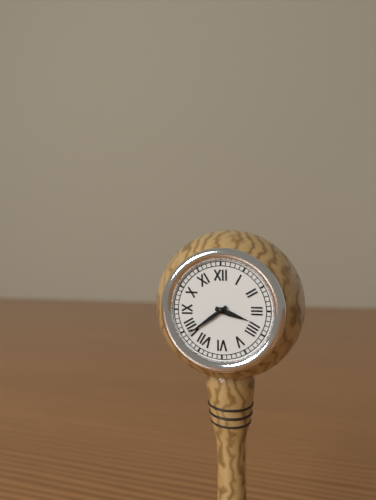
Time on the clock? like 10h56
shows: 3h39
